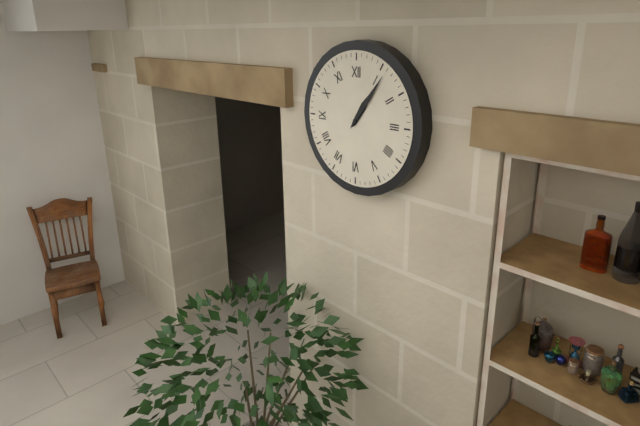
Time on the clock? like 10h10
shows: 1h06
